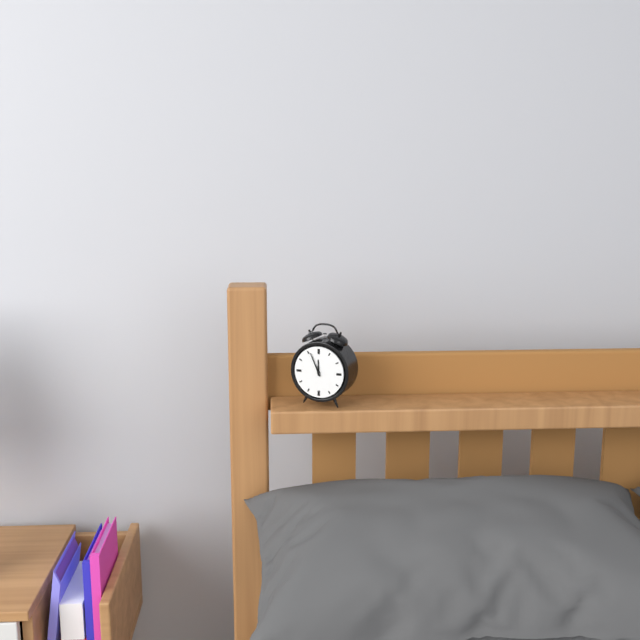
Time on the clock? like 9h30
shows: 11h56
